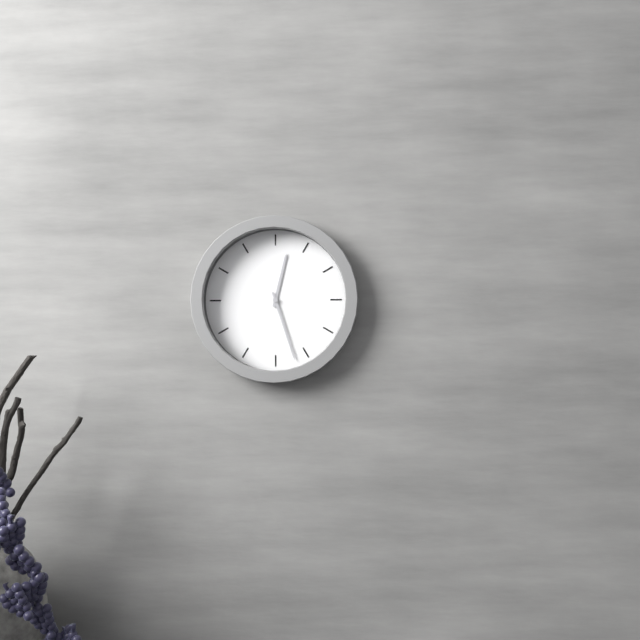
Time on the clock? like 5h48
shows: 12h27
